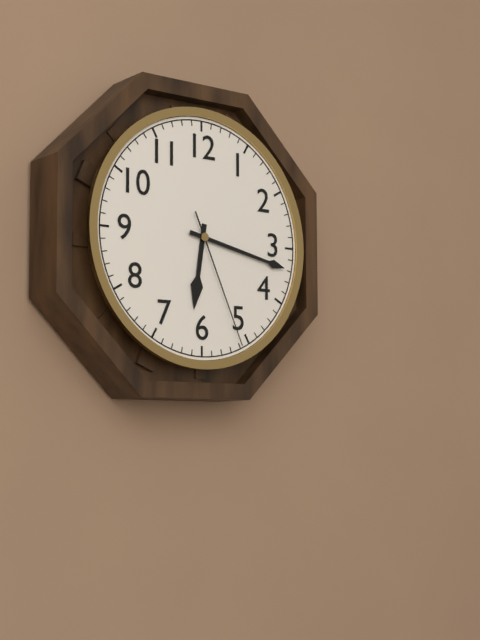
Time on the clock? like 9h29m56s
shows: 6h17m26s
